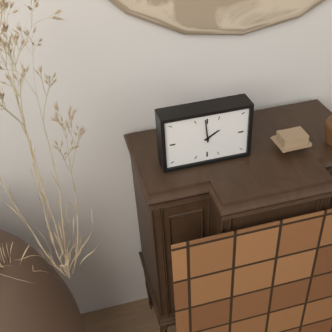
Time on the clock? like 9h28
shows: 1h59
